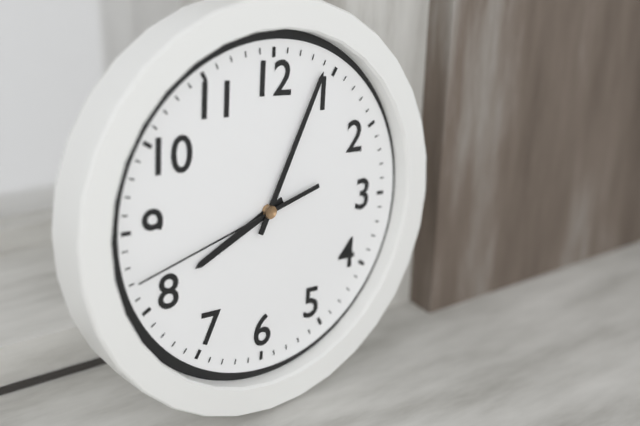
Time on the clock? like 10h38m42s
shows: 8h04m42s
